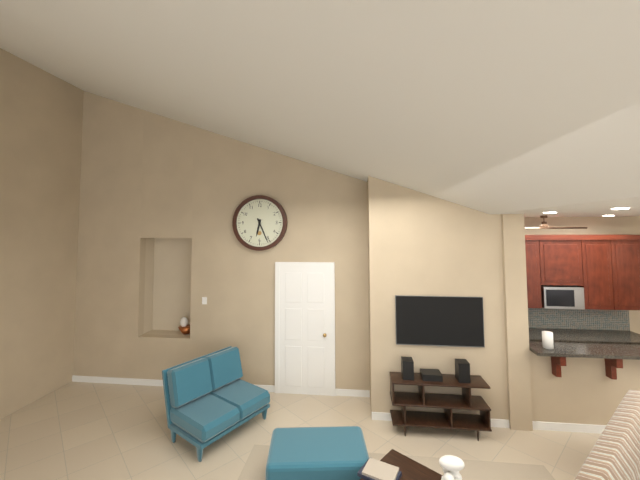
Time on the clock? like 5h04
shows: 6h26
